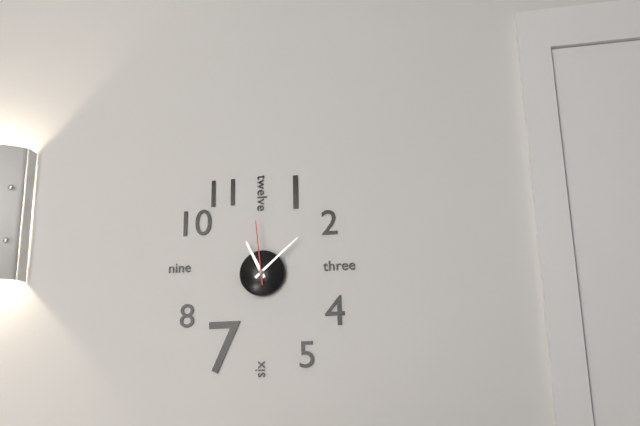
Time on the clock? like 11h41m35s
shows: 11h08m59s
